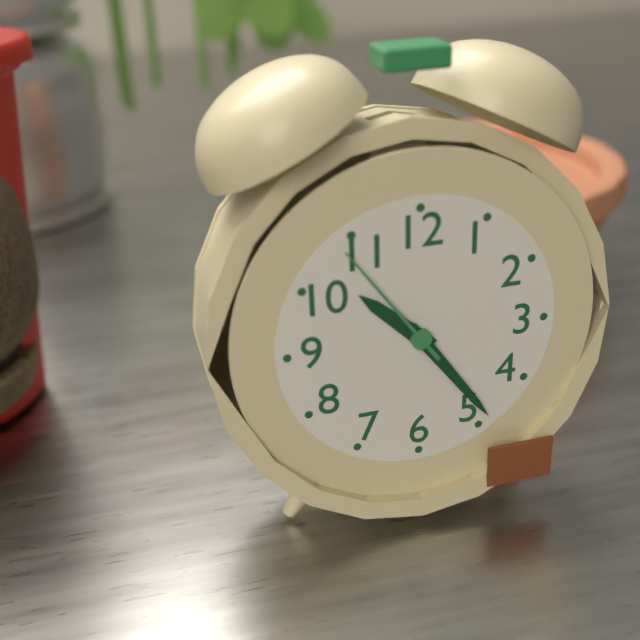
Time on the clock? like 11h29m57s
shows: 10h24m54s
